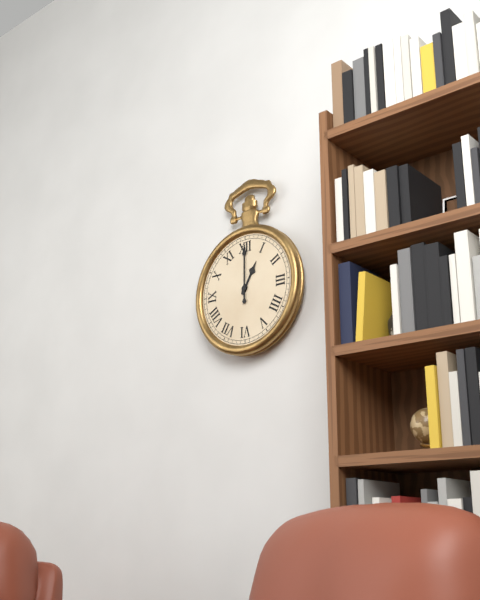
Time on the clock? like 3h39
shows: 1h00
